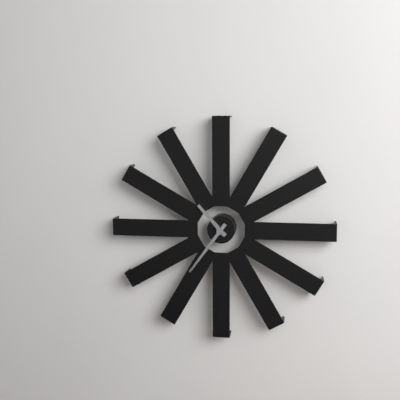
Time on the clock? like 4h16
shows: 10h36
